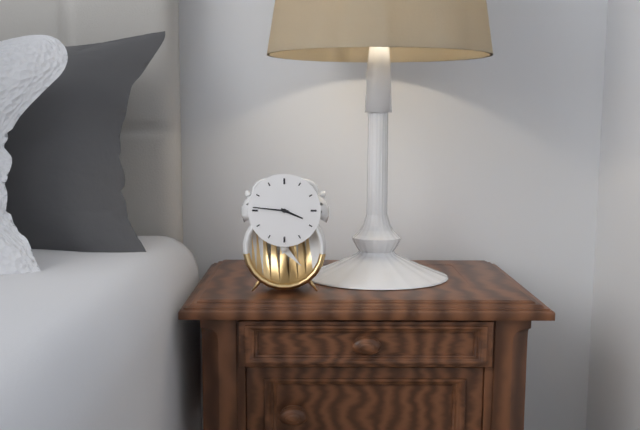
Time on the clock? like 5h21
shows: 3h46
